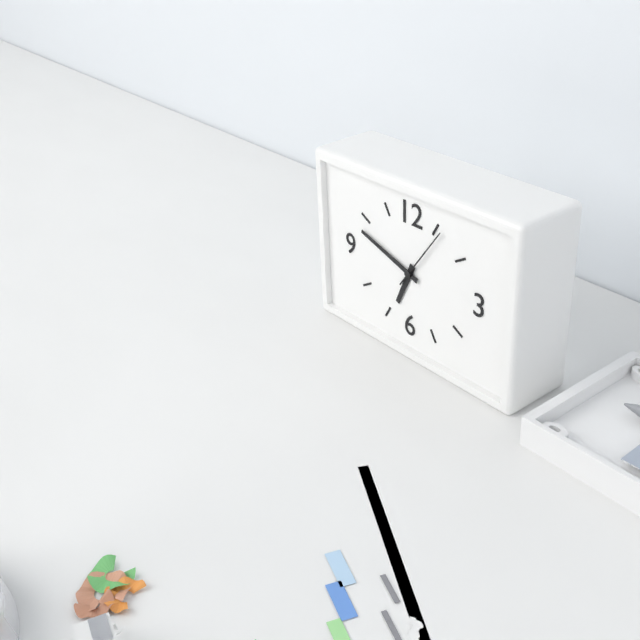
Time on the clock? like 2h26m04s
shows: 6h48m06s
